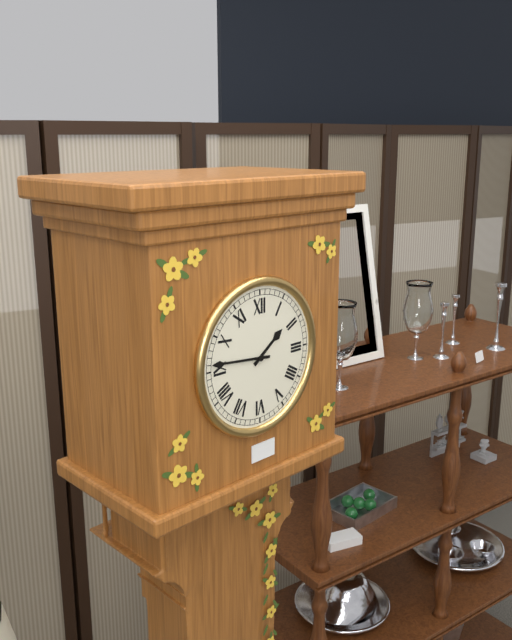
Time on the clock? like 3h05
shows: 1h46
